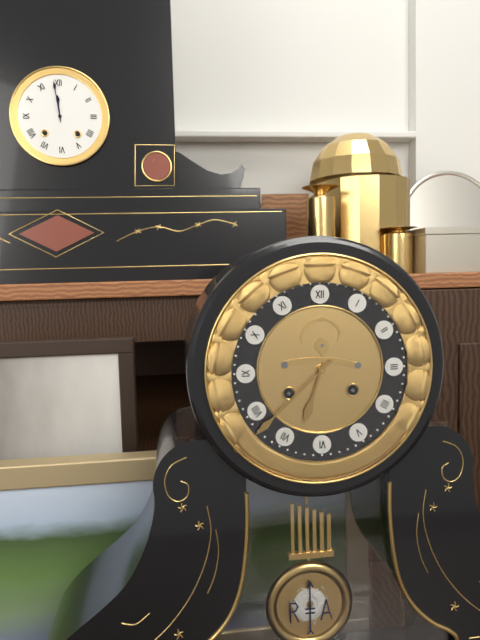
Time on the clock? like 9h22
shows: 6h38
